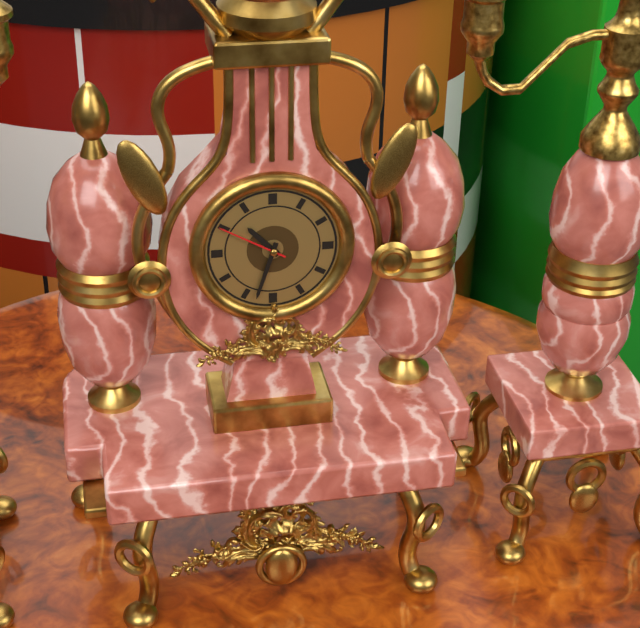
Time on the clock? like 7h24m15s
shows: 10h33m50s
